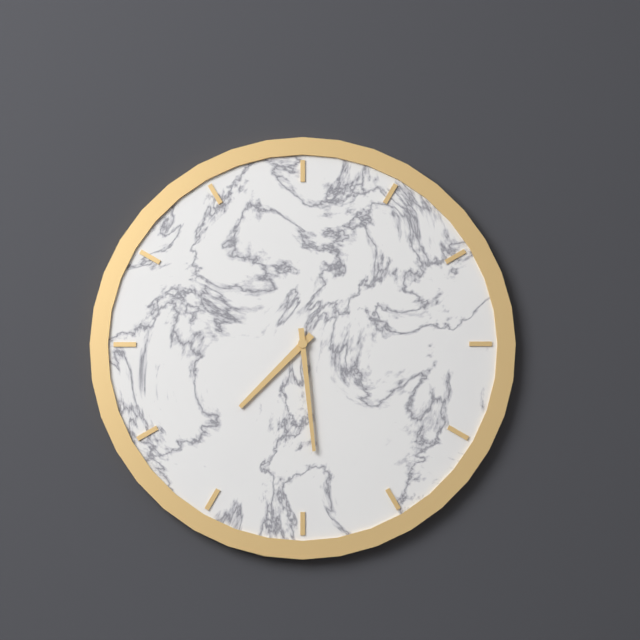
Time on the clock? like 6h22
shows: 7h29
